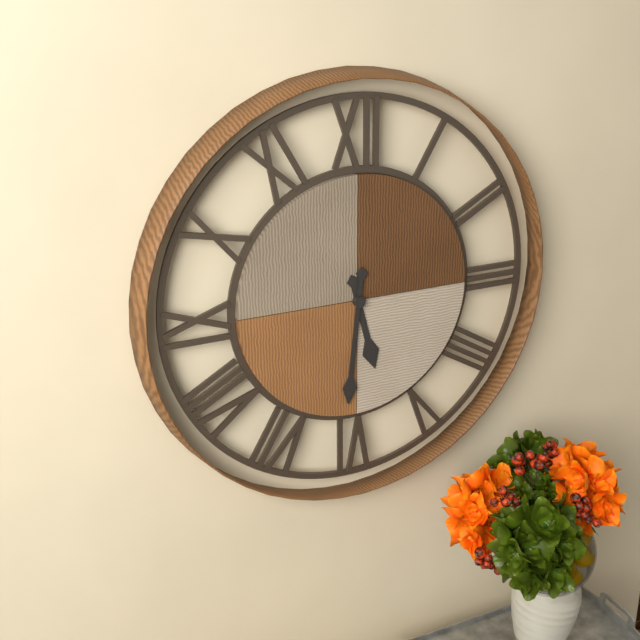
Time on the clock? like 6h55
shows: 5h31
